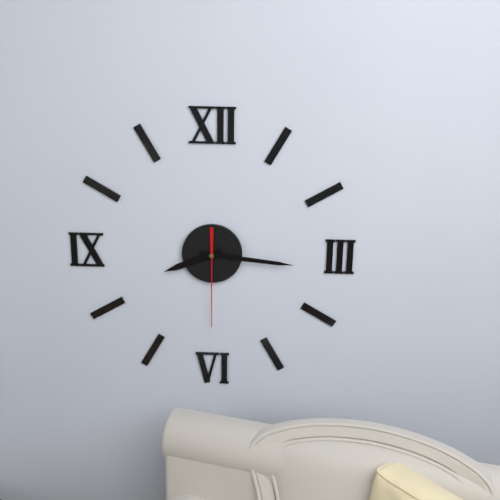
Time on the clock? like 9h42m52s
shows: 8h16m30s
